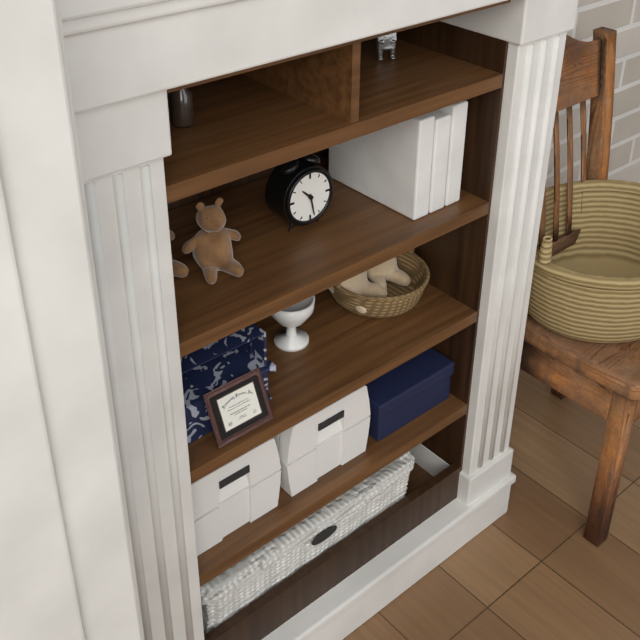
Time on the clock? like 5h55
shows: 10h28
